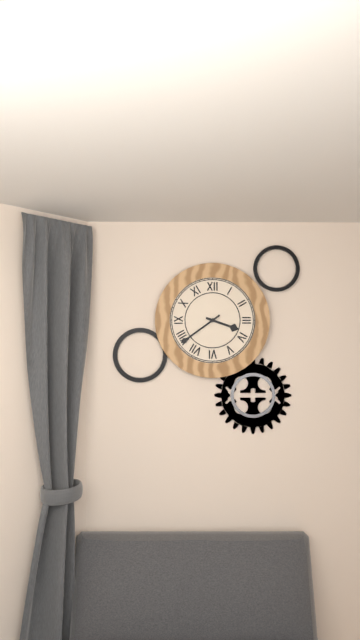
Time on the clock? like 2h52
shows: 3h39
